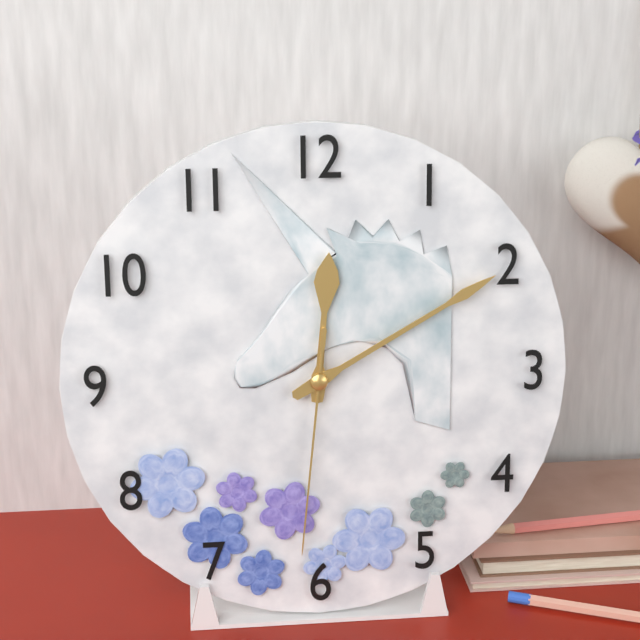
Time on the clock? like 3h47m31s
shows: 12h10m31s
